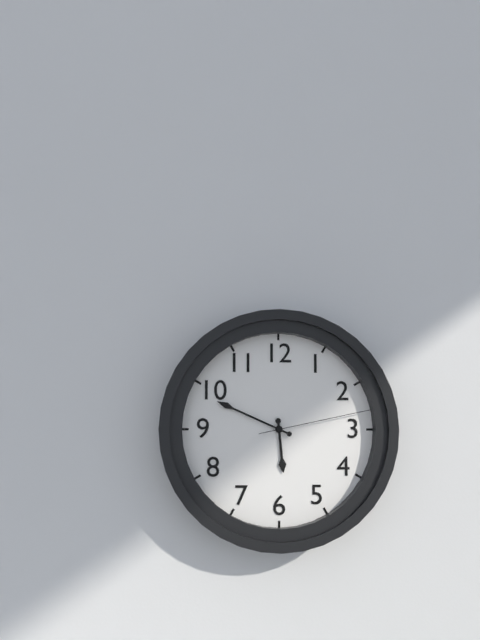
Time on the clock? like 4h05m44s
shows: 5h49m13s
